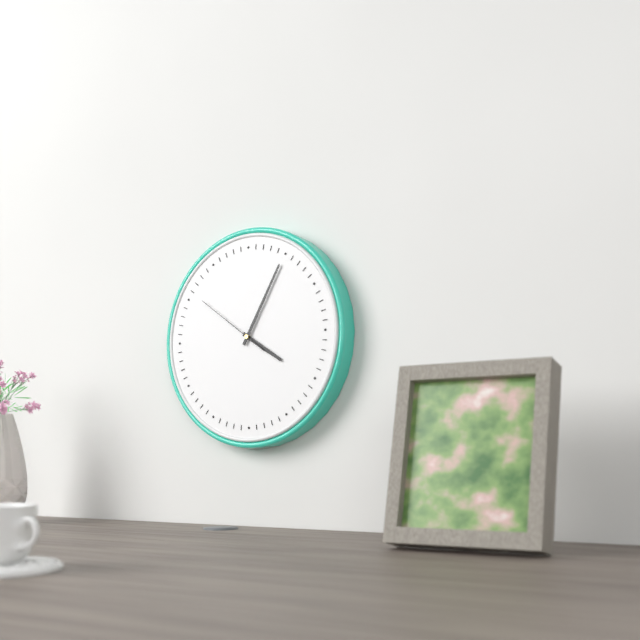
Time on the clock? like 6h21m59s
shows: 4h05m51s
